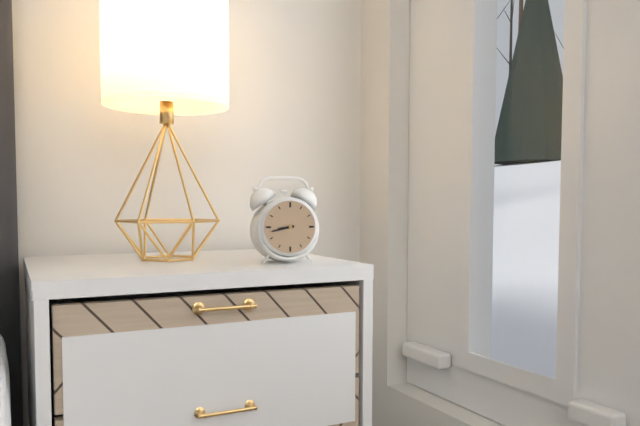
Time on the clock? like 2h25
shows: 8h43
